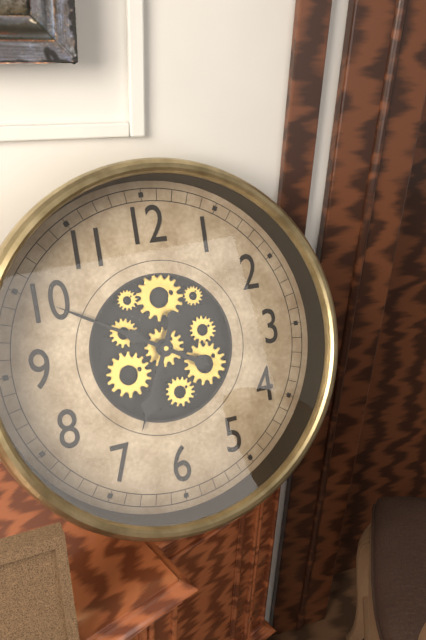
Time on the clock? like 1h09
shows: 6h50
